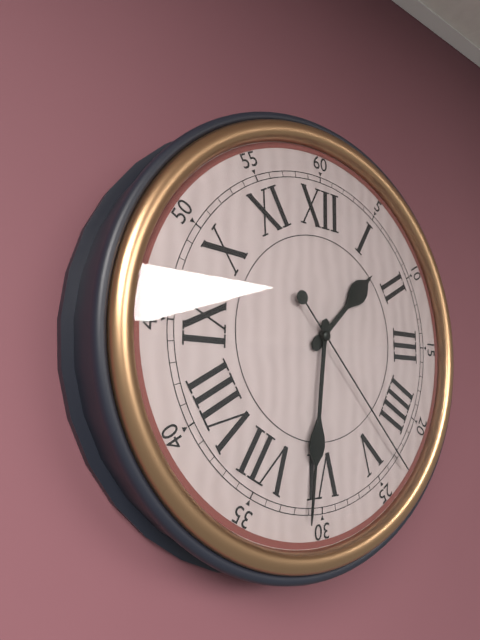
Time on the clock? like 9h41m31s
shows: 1h31m23s
